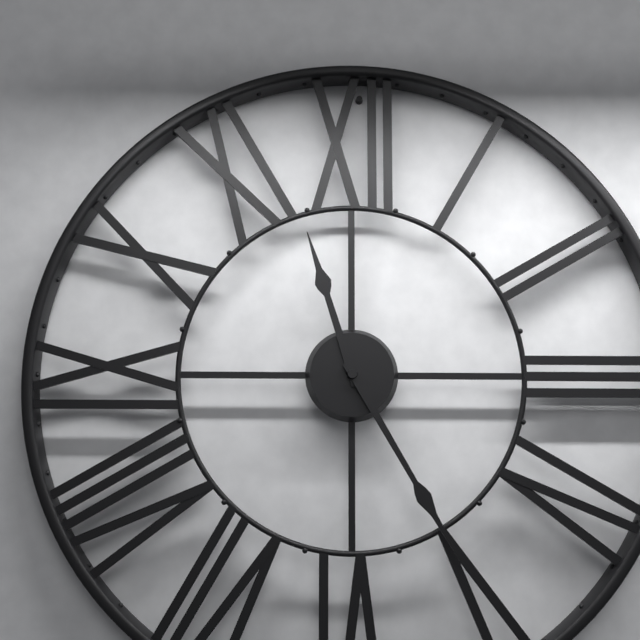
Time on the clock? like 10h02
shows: 11h25
